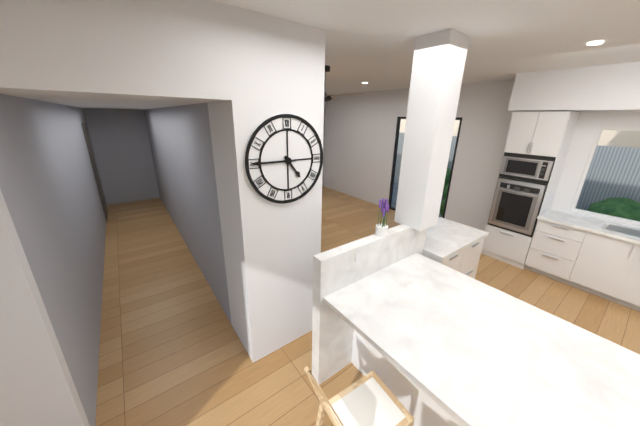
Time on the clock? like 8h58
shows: 4h45
